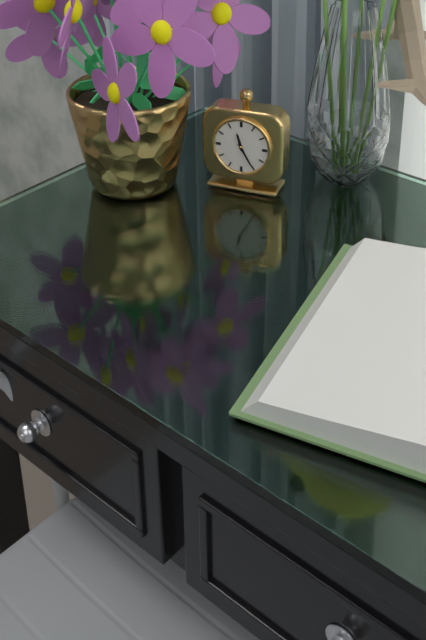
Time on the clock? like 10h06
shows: 11h25
